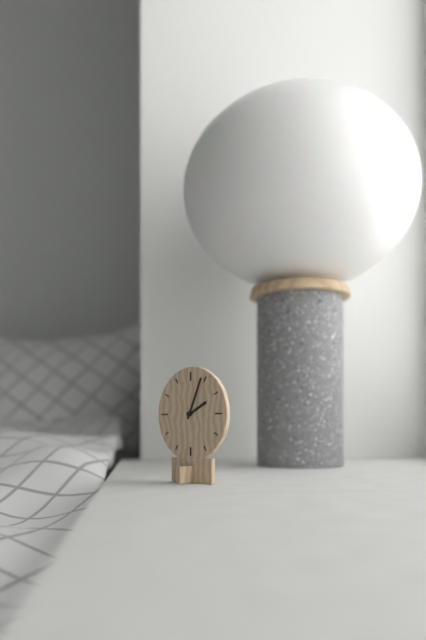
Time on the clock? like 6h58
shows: 2h04
